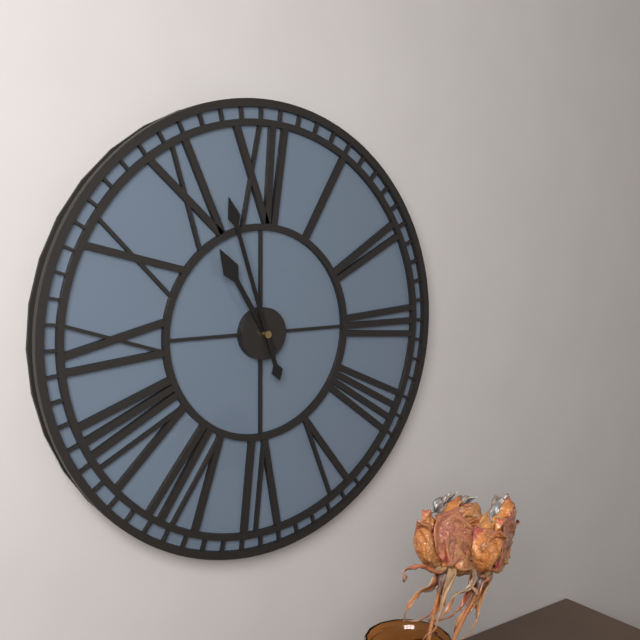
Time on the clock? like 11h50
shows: 10h57
